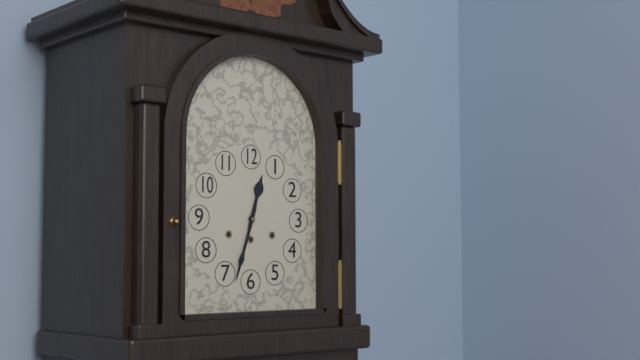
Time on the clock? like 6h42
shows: 12h33
